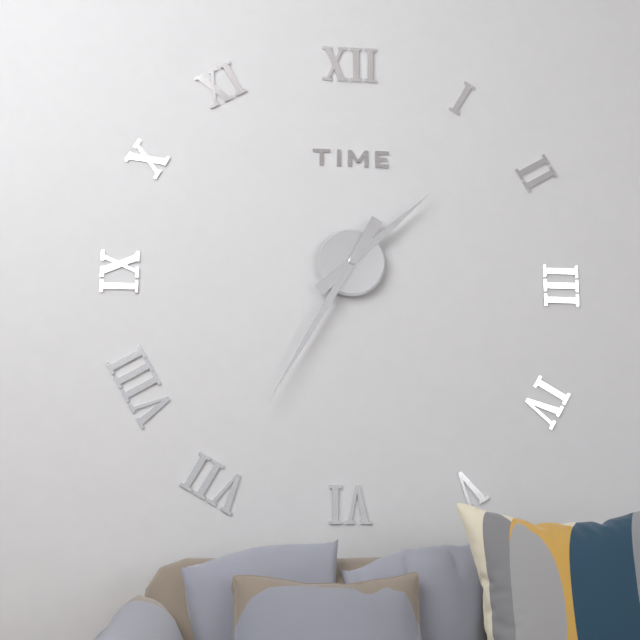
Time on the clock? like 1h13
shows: 1h35
